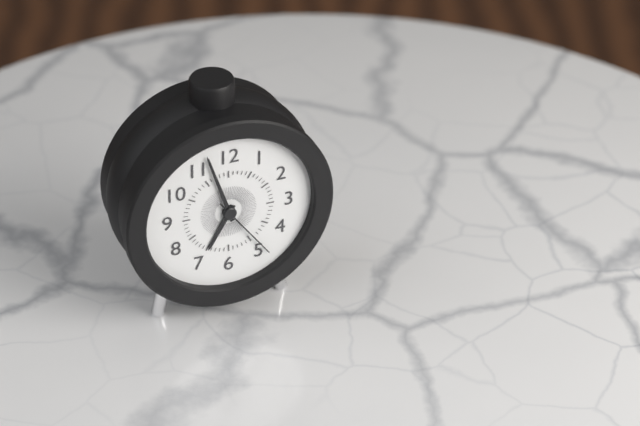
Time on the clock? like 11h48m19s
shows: 6h57m24s
